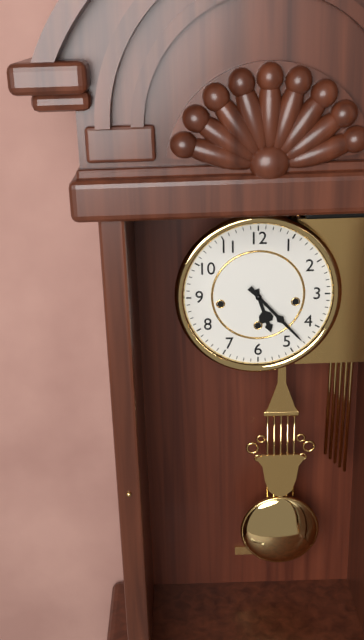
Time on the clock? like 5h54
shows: 5h23
